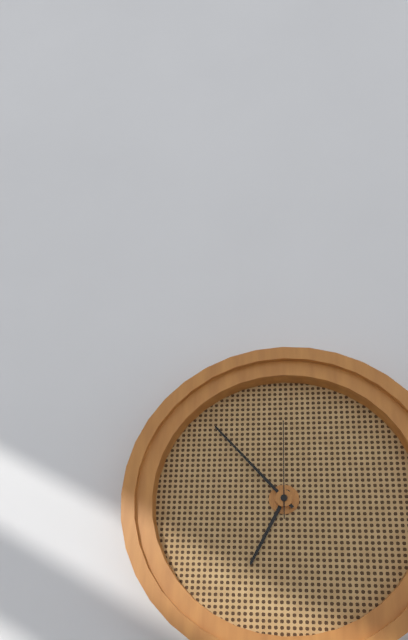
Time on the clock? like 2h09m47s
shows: 6h53m00s
